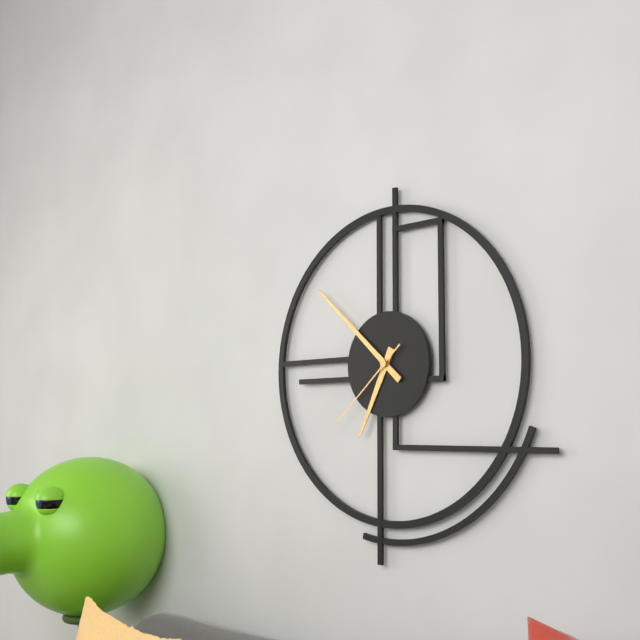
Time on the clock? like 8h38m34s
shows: 6h52m38s
